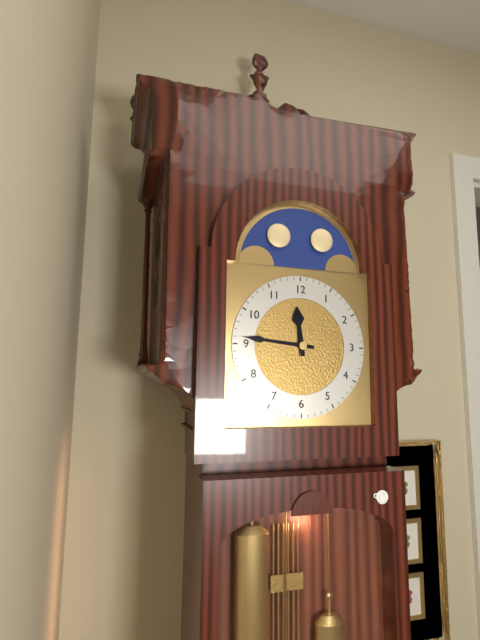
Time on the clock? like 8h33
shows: 11h46
